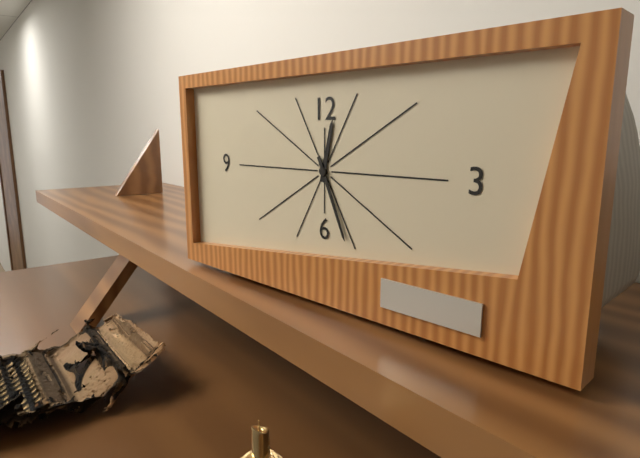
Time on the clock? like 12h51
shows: 12h26
